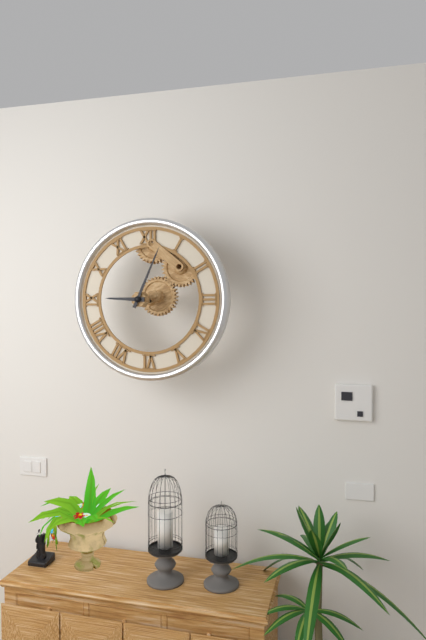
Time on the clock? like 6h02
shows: 9h04
